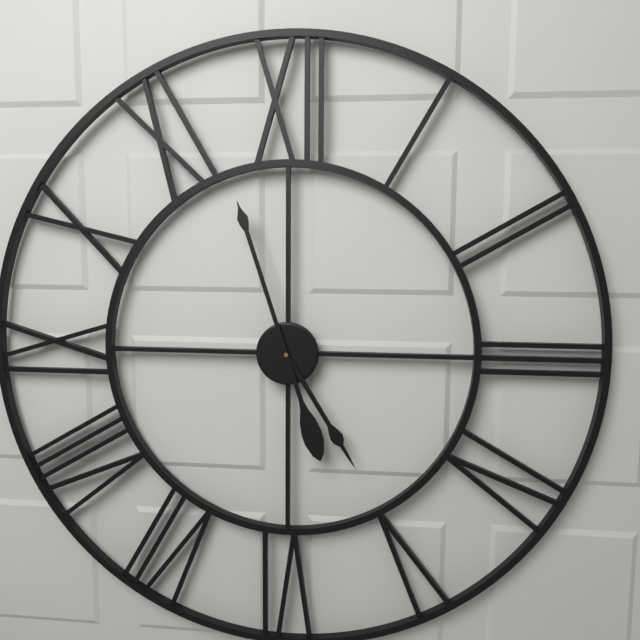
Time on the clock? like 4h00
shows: 4h57
